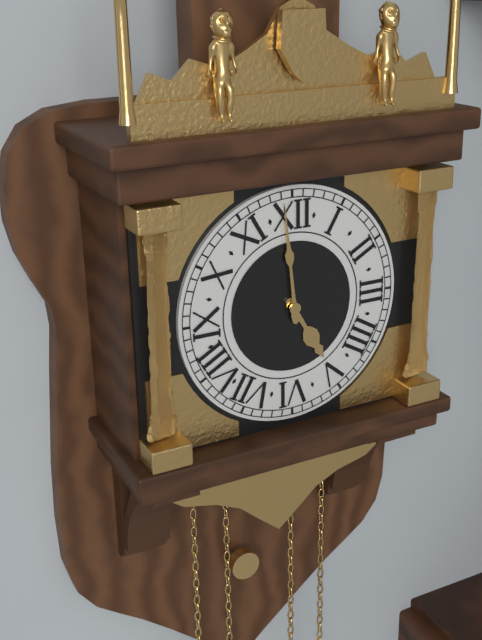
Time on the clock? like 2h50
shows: 4h59
